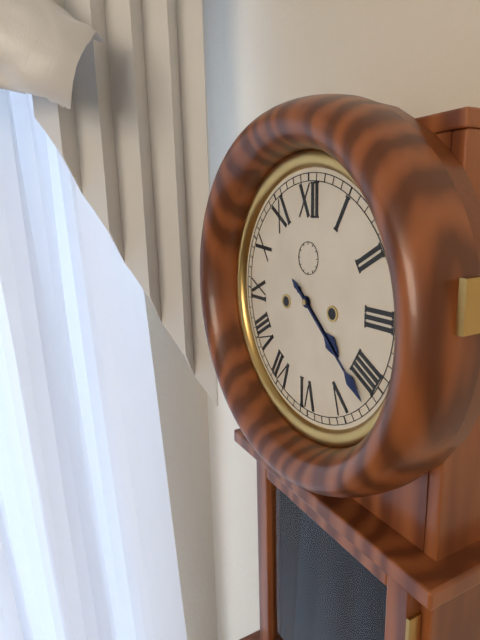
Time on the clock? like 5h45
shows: 4h22
